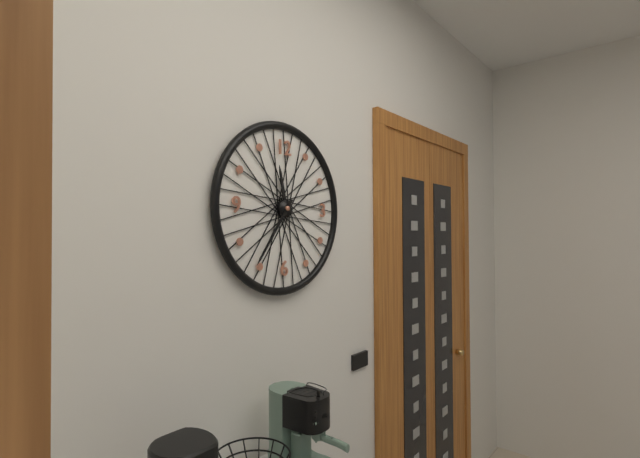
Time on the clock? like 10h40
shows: 11h36
